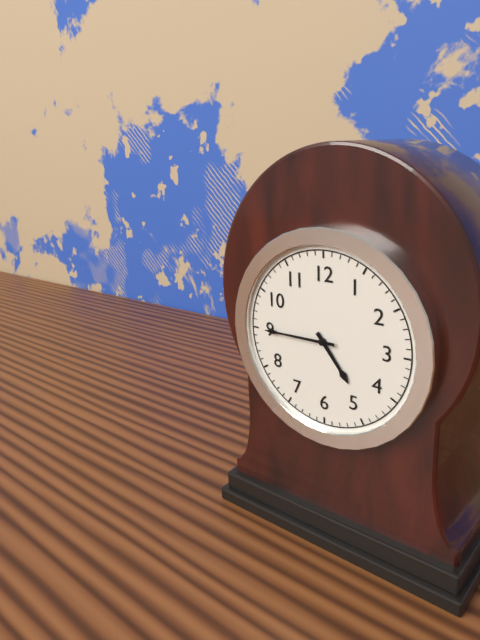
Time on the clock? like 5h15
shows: 4h45
